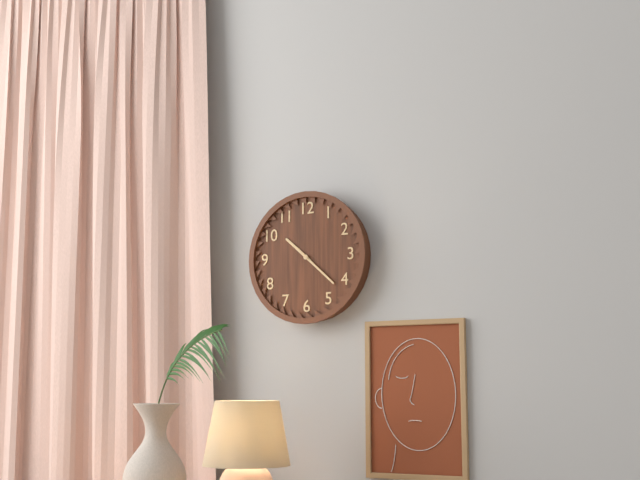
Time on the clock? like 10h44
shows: 10h22
